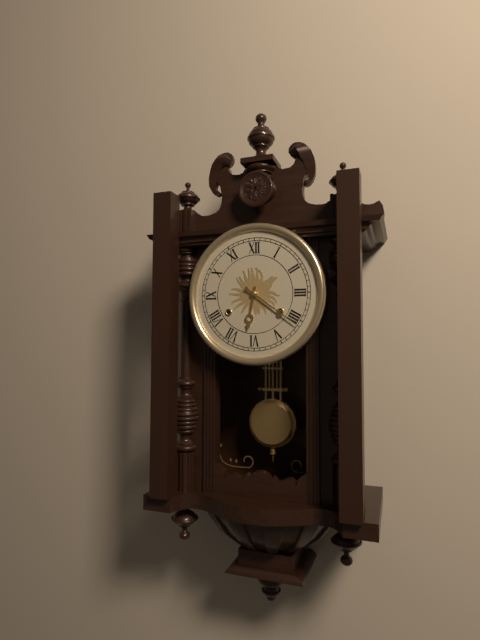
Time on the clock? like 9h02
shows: 6h21
